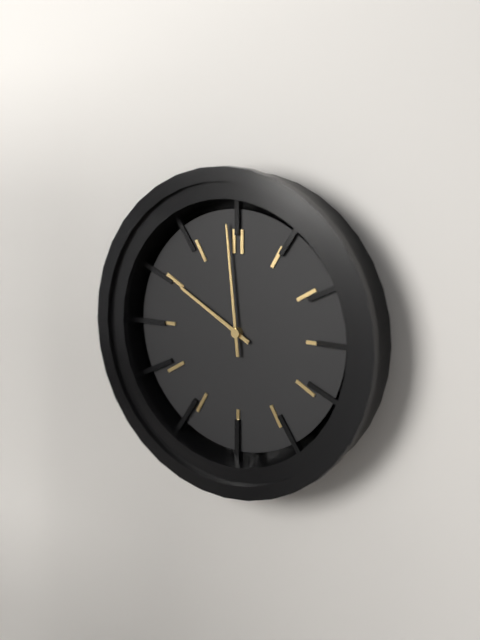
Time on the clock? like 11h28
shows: 9h59
